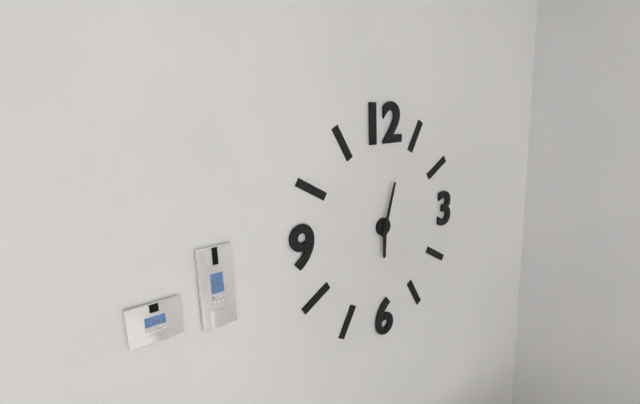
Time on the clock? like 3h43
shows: 6h03
